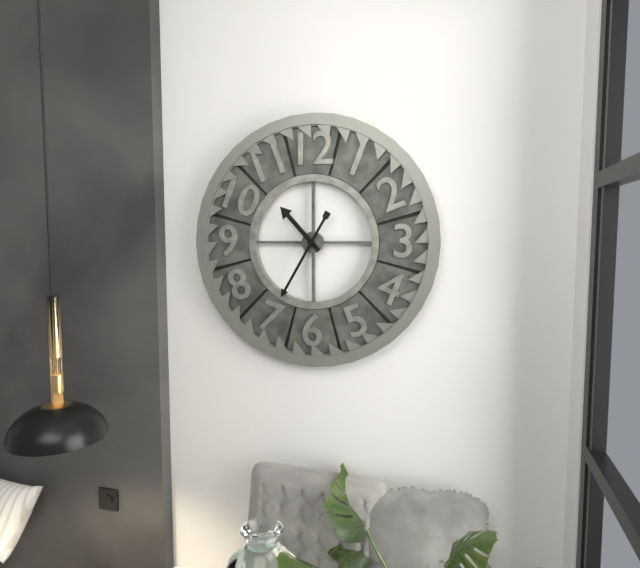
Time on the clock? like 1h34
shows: 10h35
